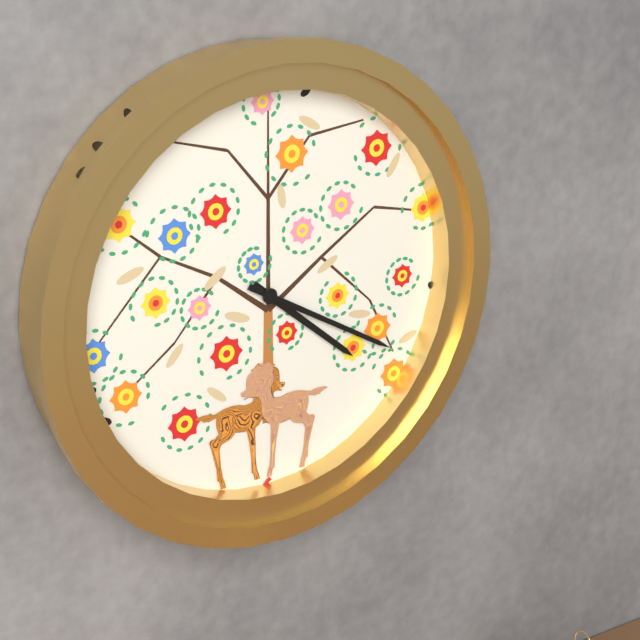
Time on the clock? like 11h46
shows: 4h20
